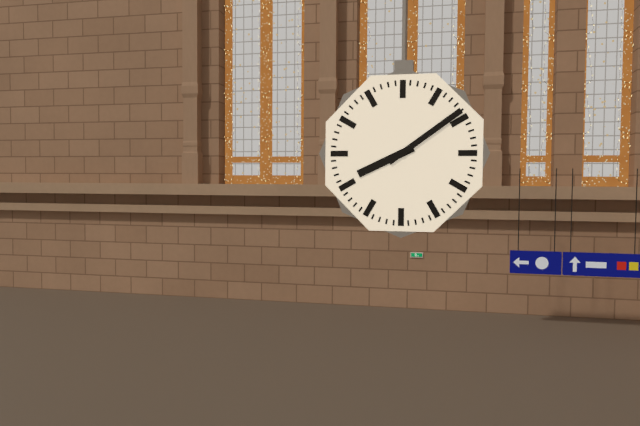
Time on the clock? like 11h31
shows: 8h09
